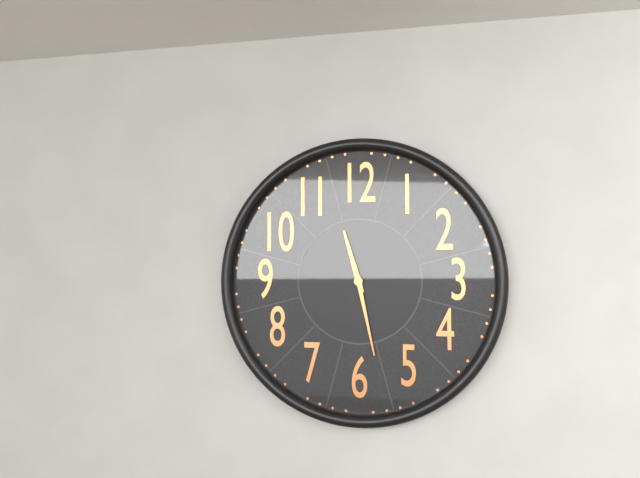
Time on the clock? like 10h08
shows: 11h28
